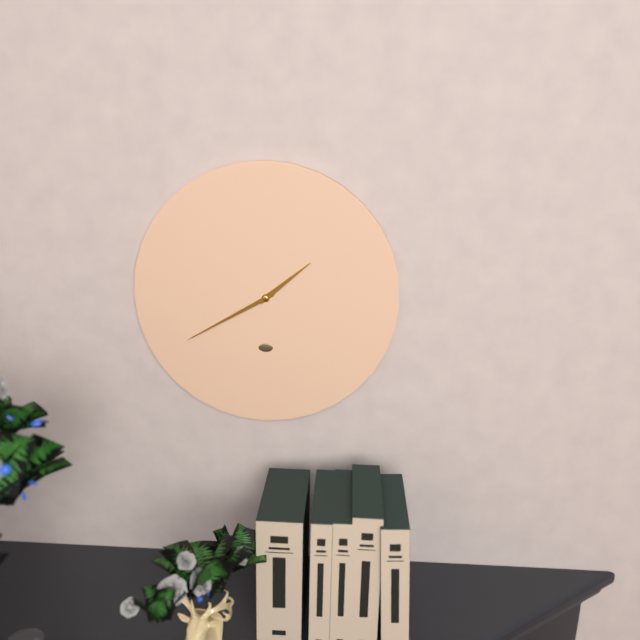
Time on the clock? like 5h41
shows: 1h40
